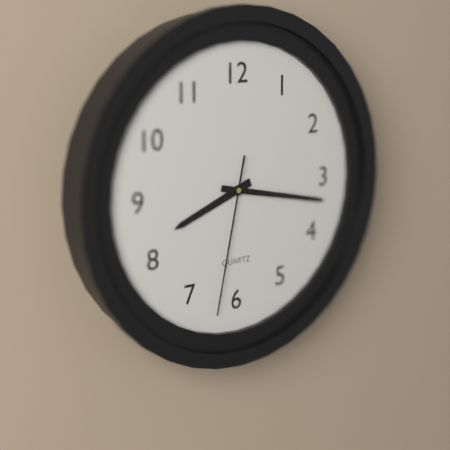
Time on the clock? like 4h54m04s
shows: 8h17m32s
